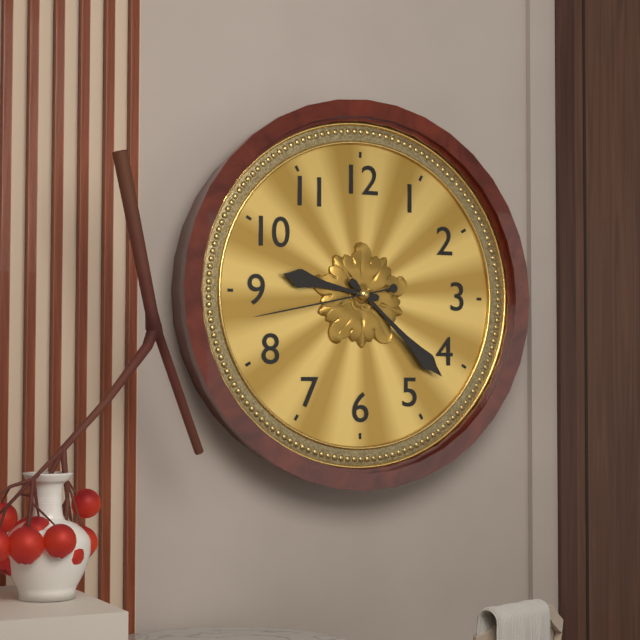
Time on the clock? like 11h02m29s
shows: 9h22m43s
